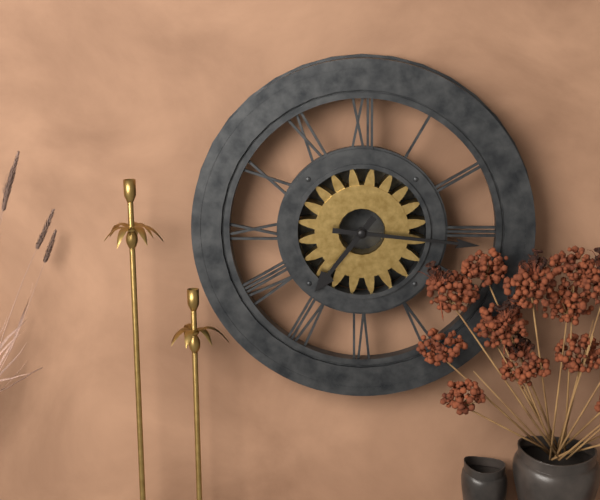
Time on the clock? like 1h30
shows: 7h16
